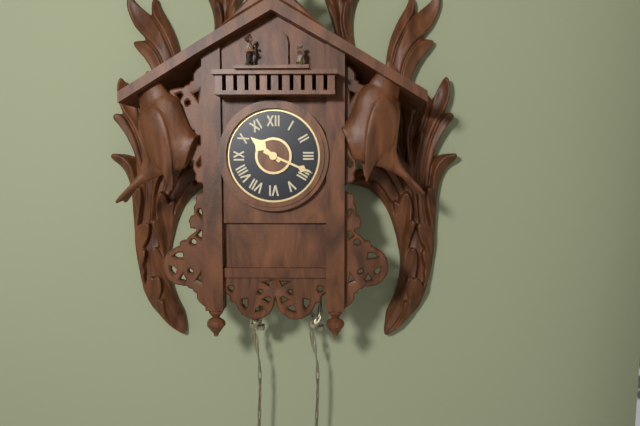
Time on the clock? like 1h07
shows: 10h19
